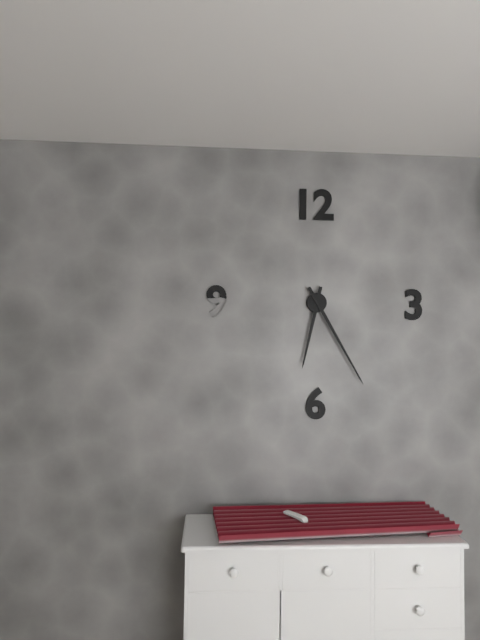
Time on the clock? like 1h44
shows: 6h25
